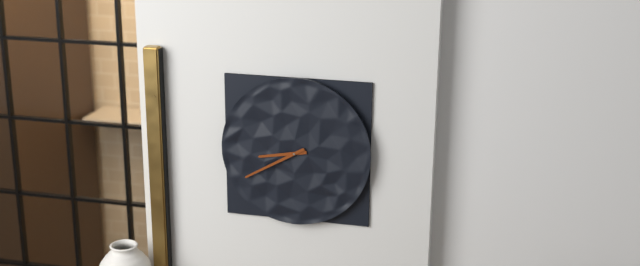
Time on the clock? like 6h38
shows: 8h40
